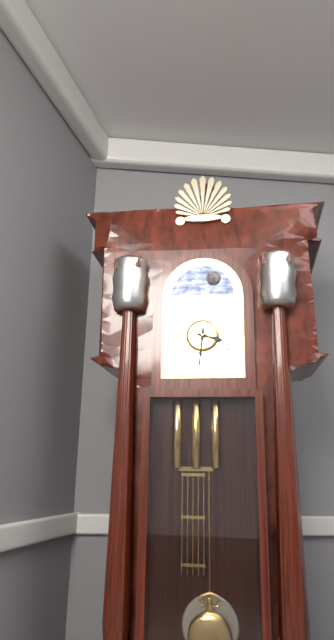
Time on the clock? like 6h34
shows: 3h31
